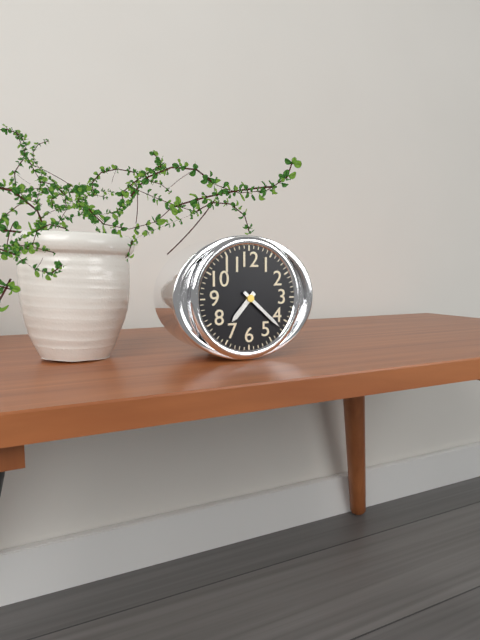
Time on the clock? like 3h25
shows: 7h22
